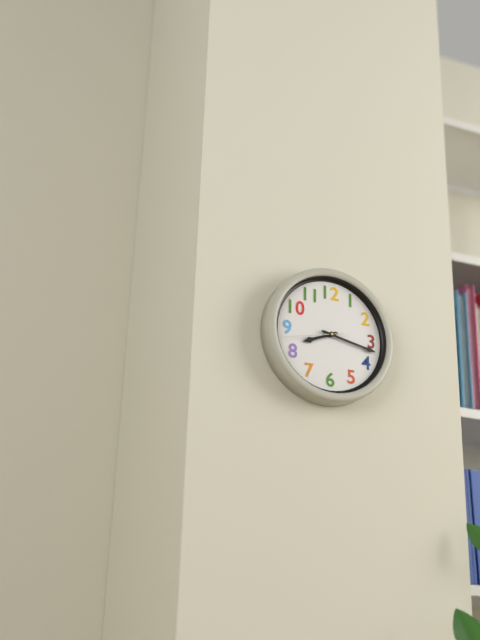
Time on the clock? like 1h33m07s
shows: 8h17m43s
